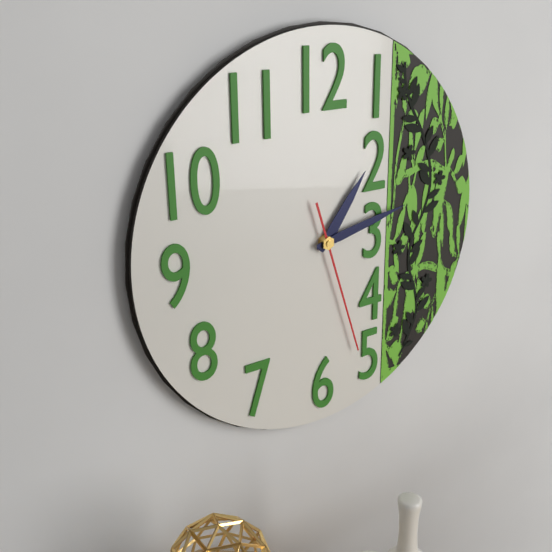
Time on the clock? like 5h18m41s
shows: 1h13m27s
